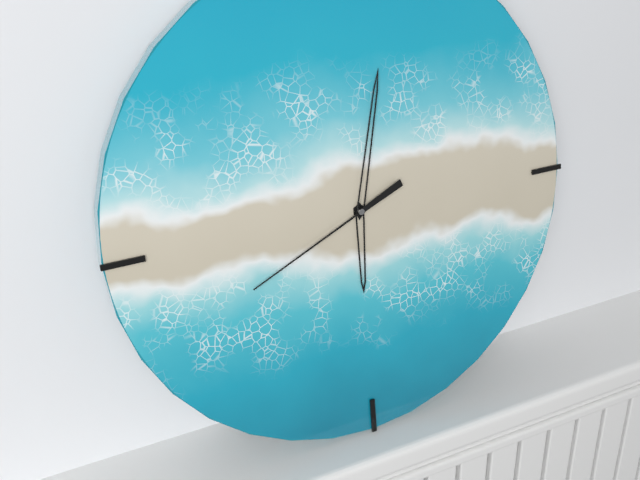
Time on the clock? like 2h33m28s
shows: 6h02m41s
